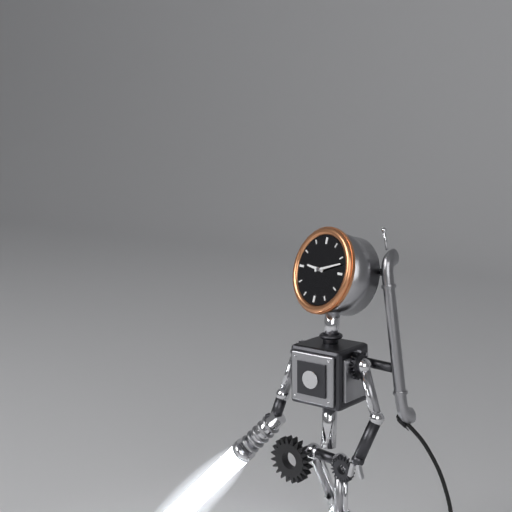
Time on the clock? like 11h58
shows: 9h12
